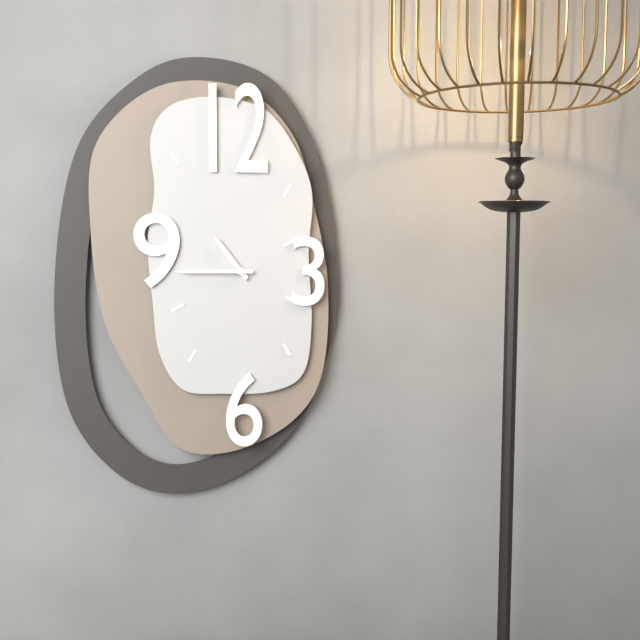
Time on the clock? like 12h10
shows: 10h45
